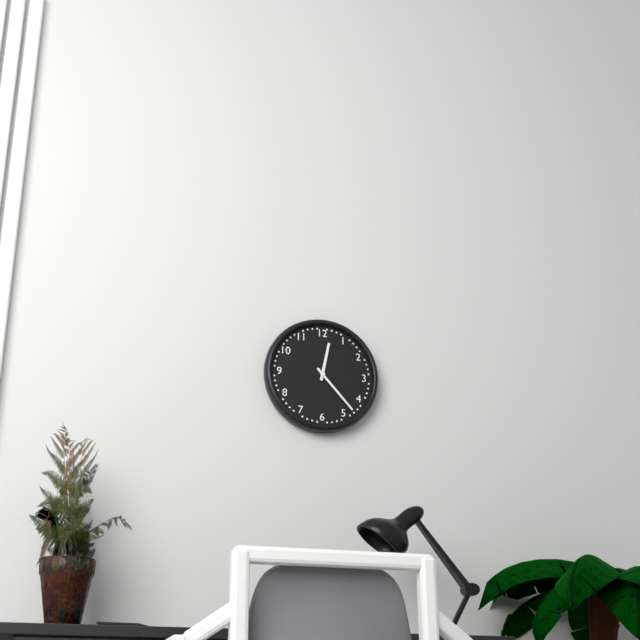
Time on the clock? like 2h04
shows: 12h23
